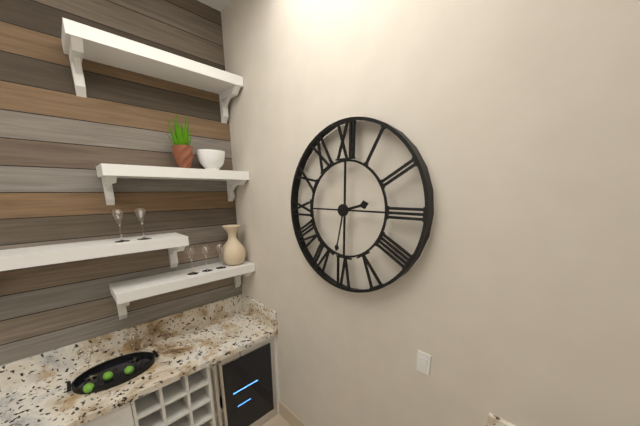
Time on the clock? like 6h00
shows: 2h32
